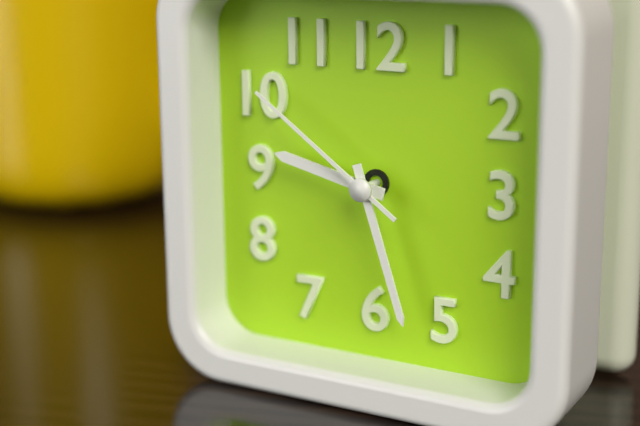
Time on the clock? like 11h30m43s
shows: 9h27m51s
